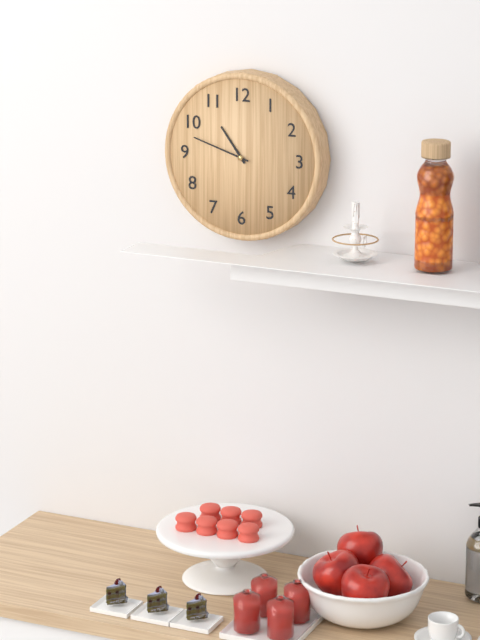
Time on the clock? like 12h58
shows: 10h48
